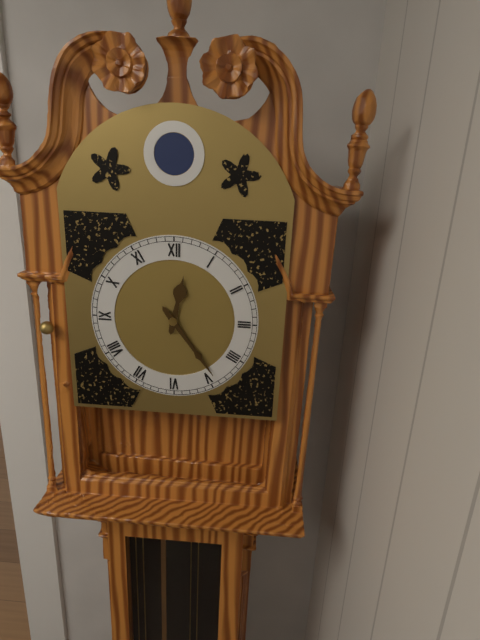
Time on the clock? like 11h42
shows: 12h24
